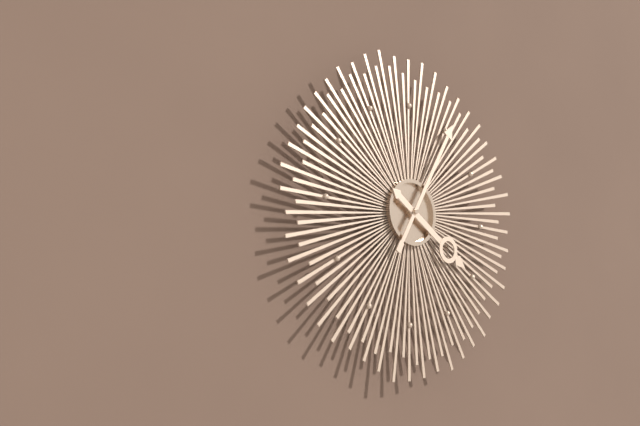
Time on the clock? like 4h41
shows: 4h05
